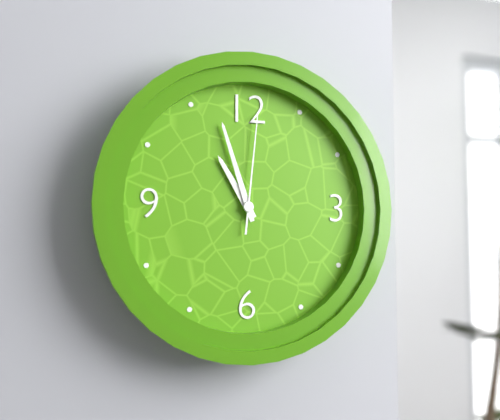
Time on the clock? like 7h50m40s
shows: 10h57m01s
